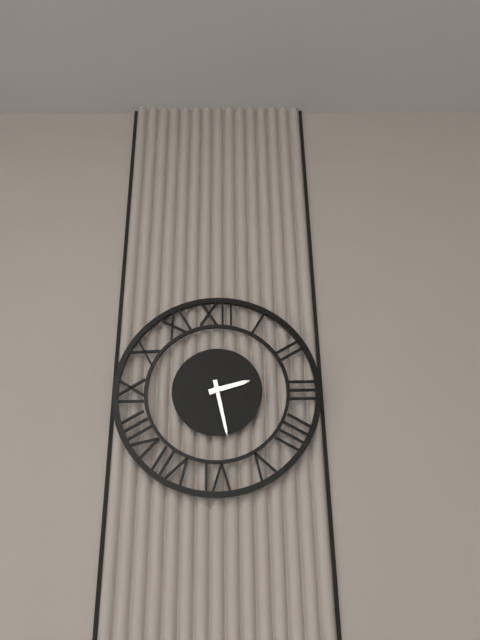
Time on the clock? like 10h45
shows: 2h28
